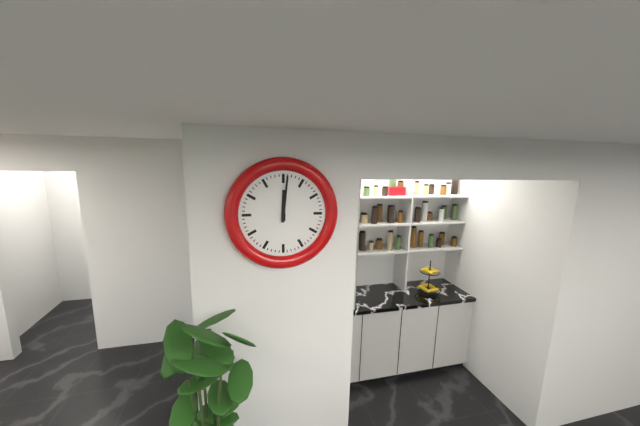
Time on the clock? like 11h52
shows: 12h01
